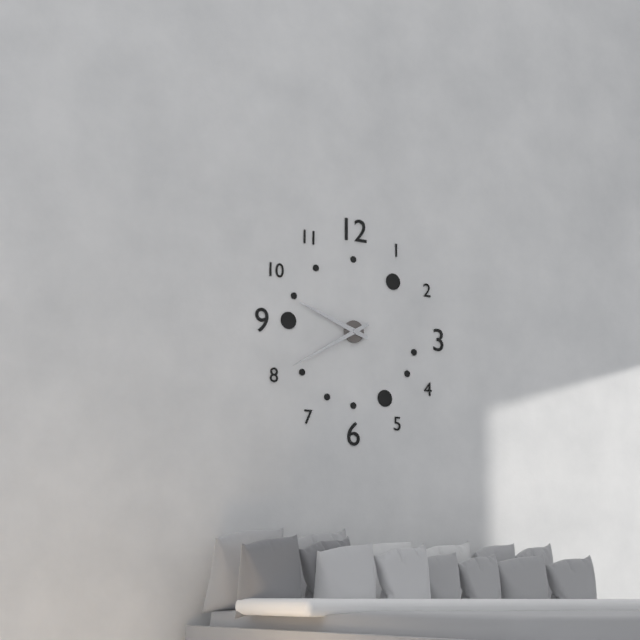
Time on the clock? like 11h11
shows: 9h40
